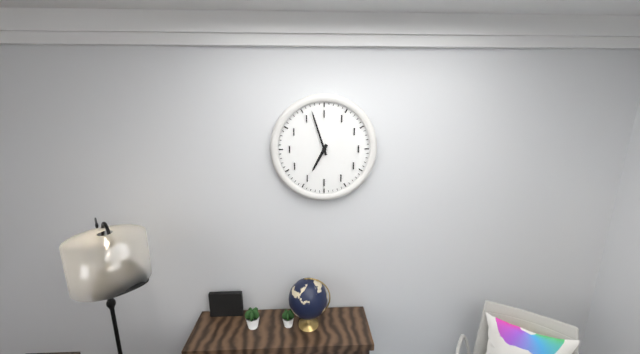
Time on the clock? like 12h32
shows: 6h57
